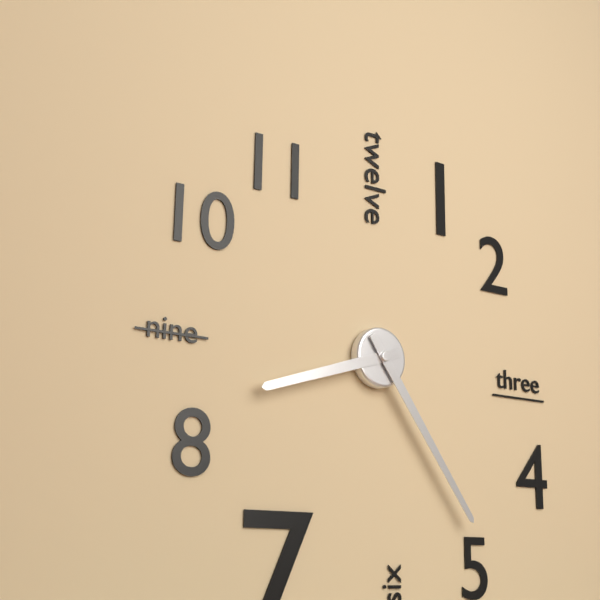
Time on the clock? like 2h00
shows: 8h24
